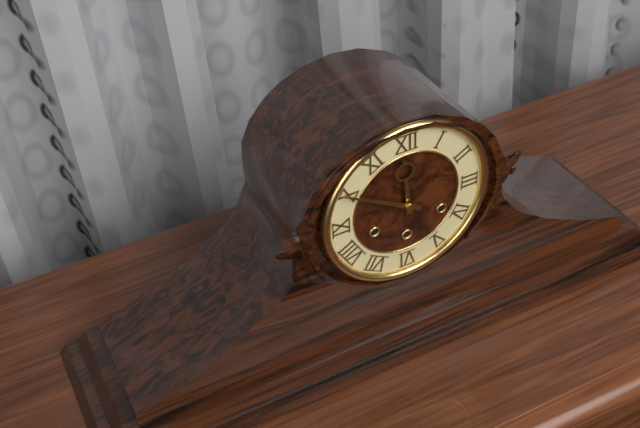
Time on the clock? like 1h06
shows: 11h50
